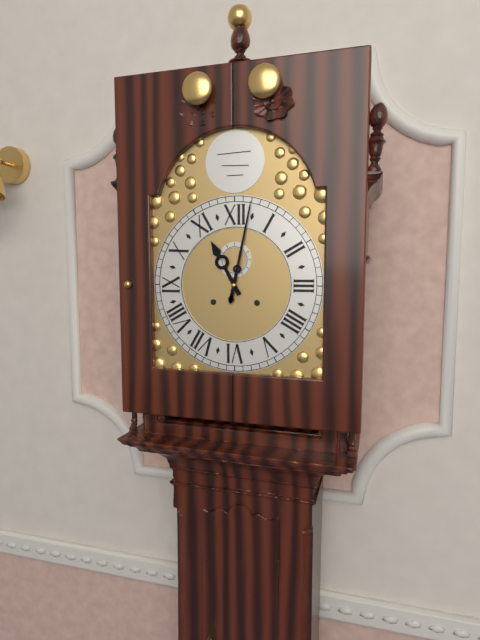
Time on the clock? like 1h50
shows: 11h02
